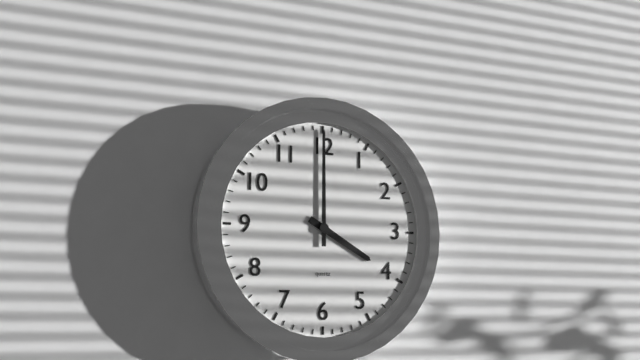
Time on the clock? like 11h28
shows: 4h00
